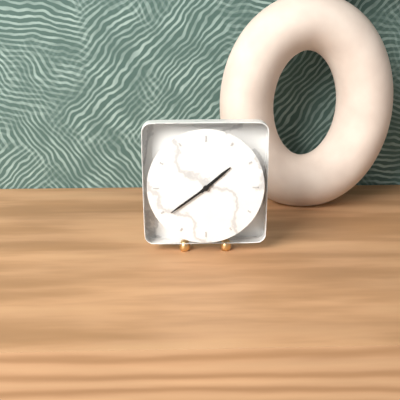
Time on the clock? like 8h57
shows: 1h39
